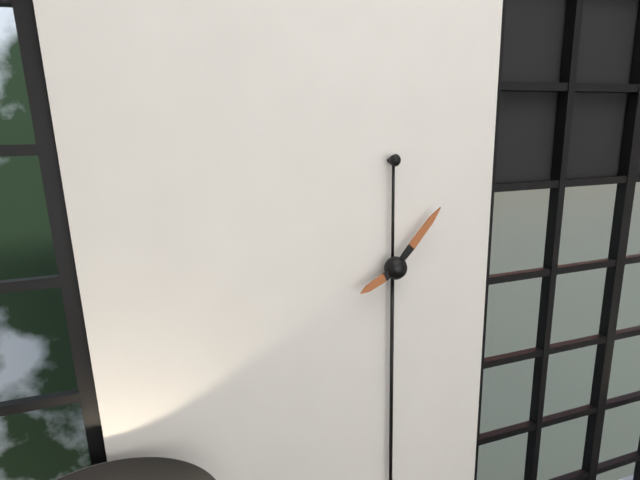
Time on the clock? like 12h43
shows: 8h07
